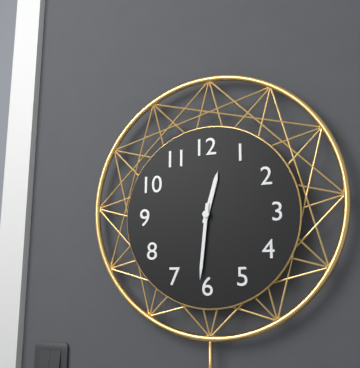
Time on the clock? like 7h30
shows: 12h31
